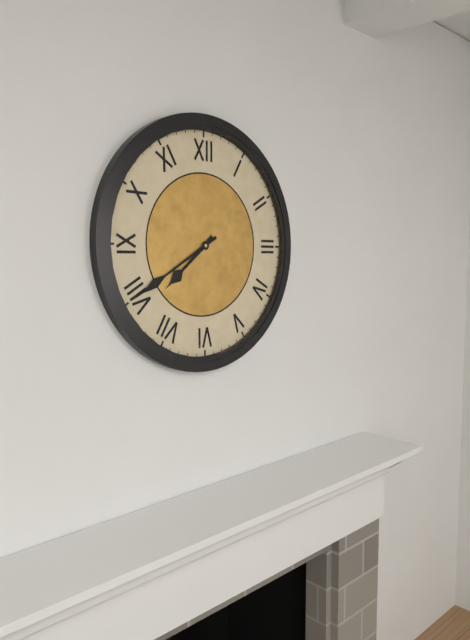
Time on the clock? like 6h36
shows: 7h40
